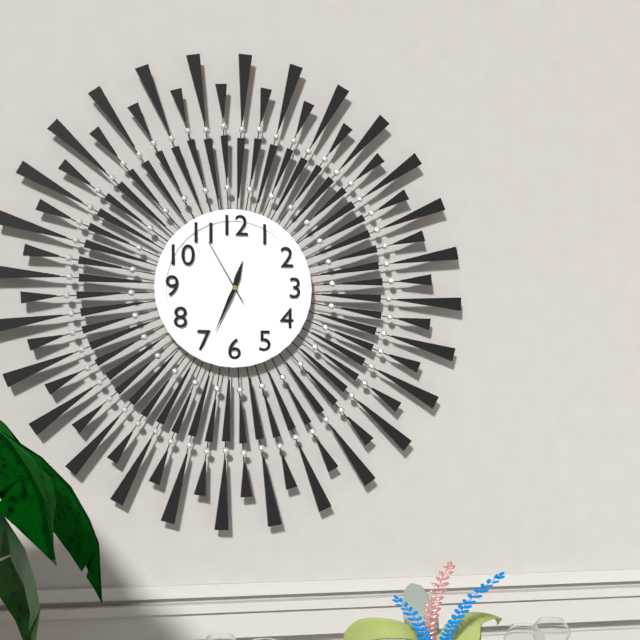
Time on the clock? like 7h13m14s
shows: 12h34m55s
